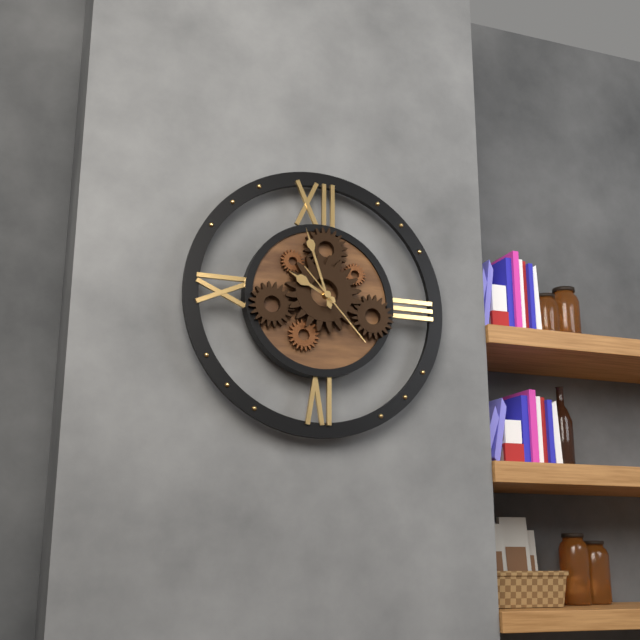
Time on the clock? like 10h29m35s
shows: 9h57m23s
